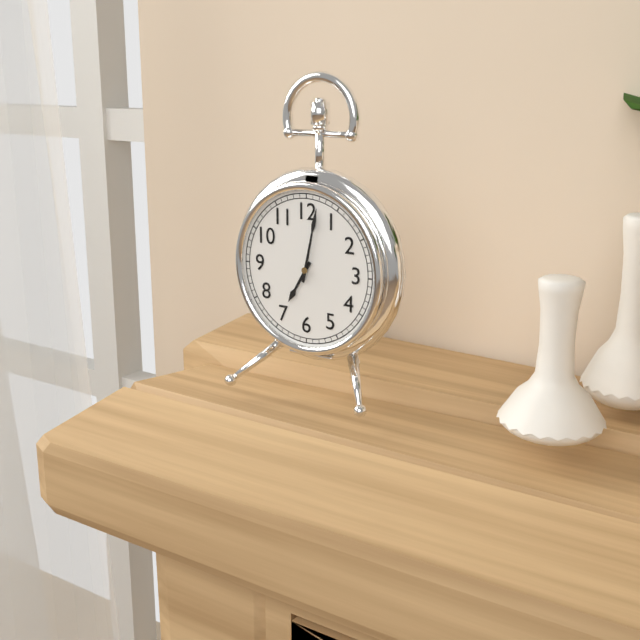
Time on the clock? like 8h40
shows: 7h02
